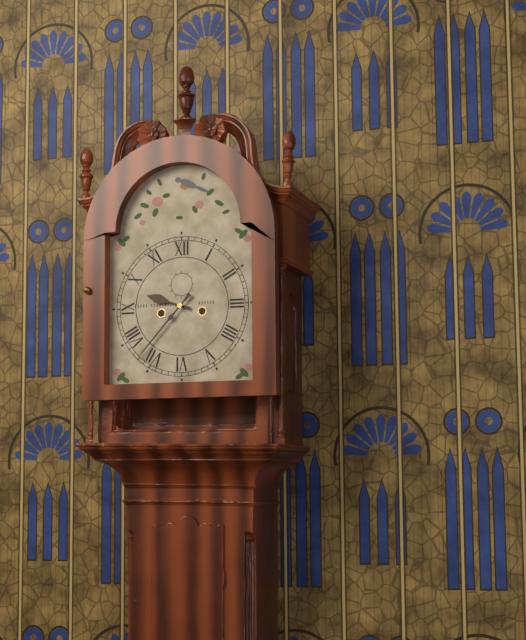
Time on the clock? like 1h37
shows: 9h37
